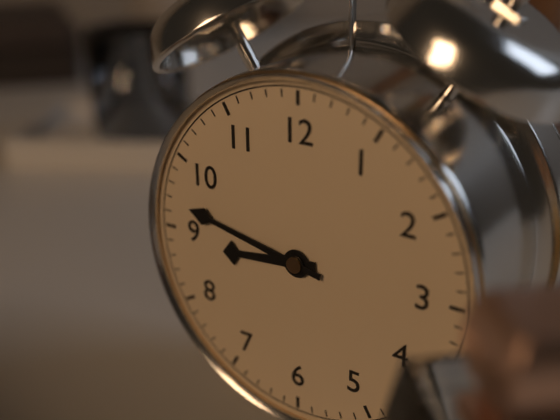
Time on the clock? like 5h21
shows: 8h47
